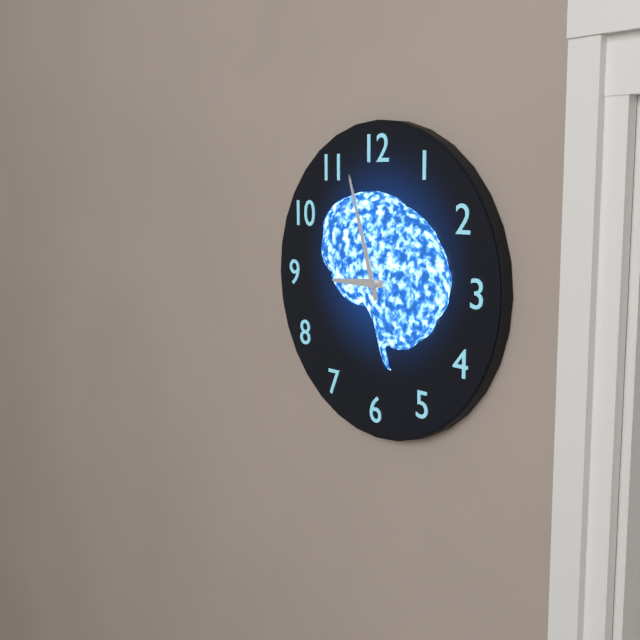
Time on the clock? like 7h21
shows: 8h57
